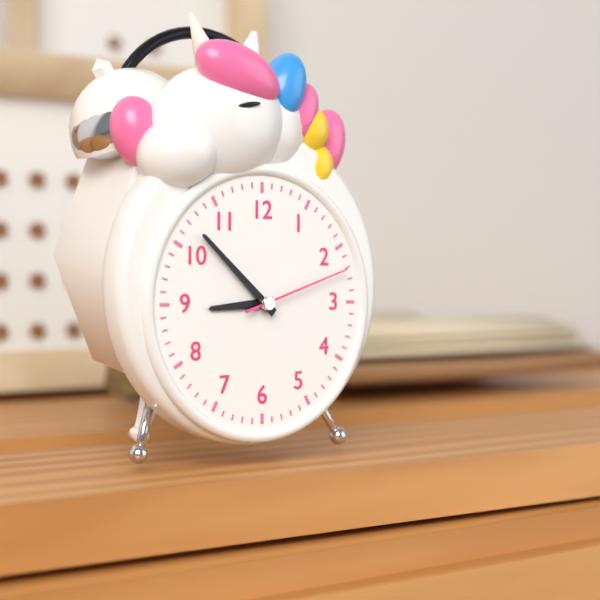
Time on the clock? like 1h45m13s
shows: 8h52m12s
